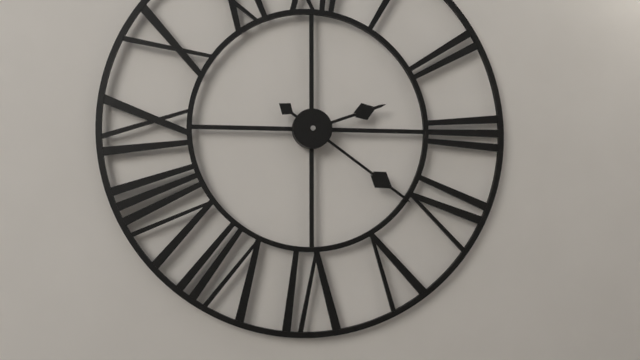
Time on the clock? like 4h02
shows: 2h21
